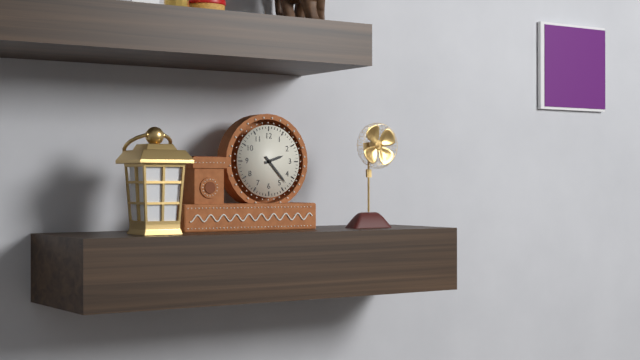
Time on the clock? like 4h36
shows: 2h23
